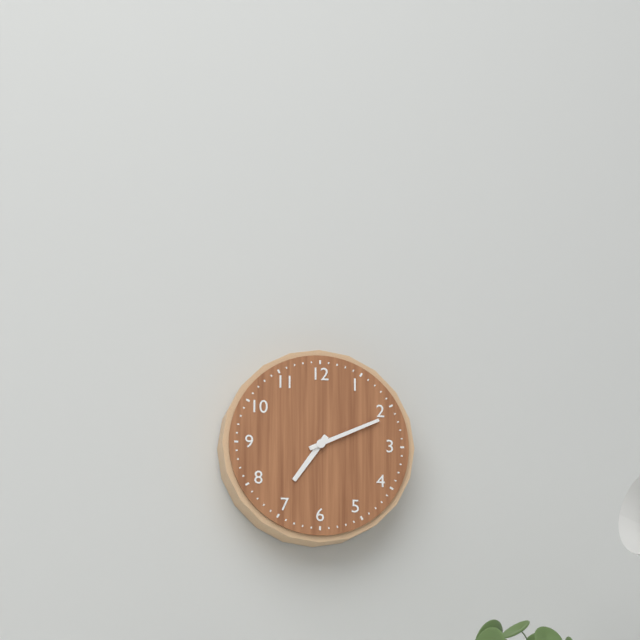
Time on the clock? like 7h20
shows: 7h11
